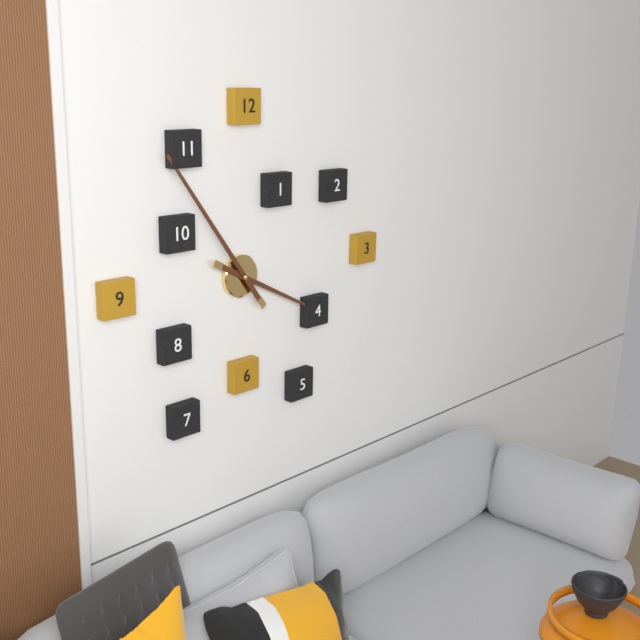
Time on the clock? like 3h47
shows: 3h54
